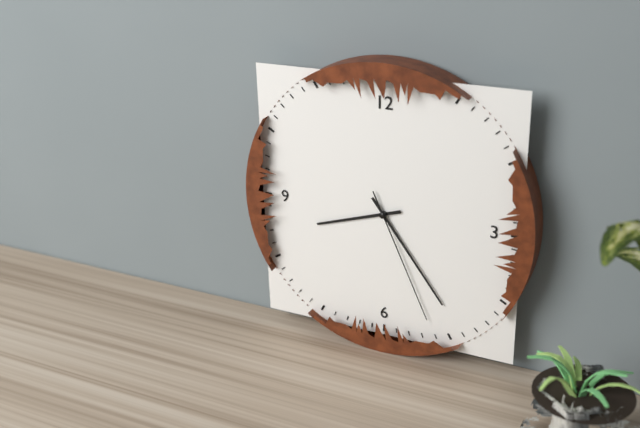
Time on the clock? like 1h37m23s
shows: 8h24m26s
